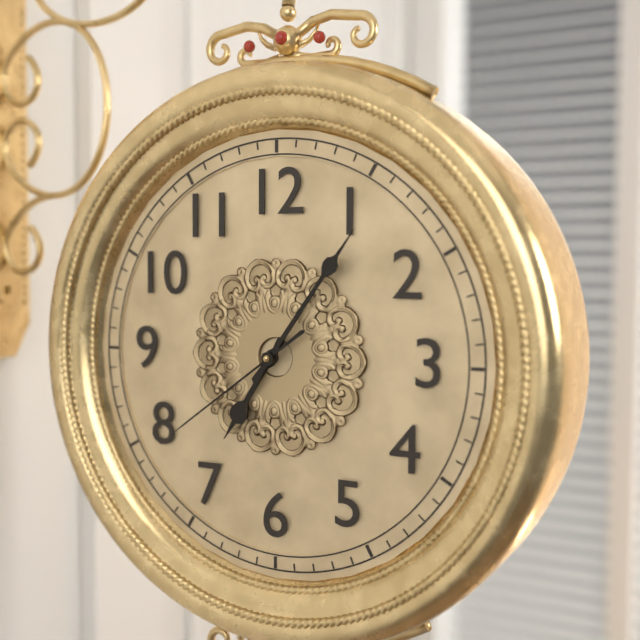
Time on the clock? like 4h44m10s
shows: 7h06m39s
